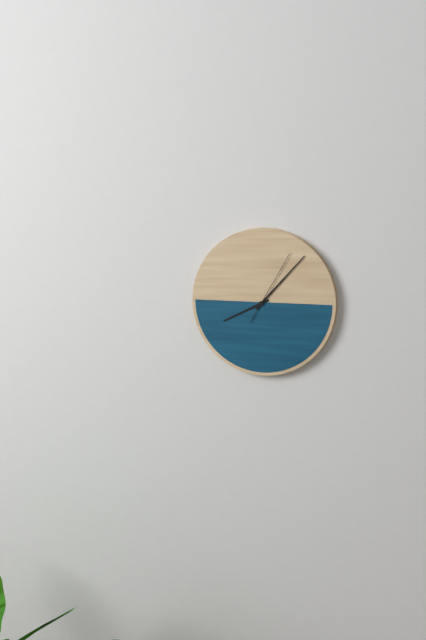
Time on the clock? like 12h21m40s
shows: 8h07m05s
